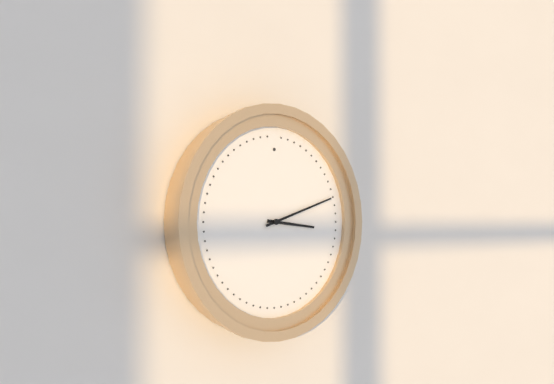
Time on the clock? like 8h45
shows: 3h12
